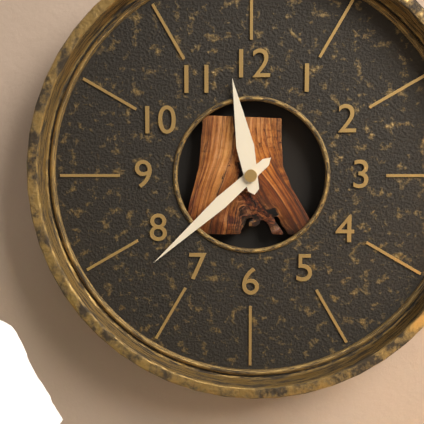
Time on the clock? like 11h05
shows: 11h38
